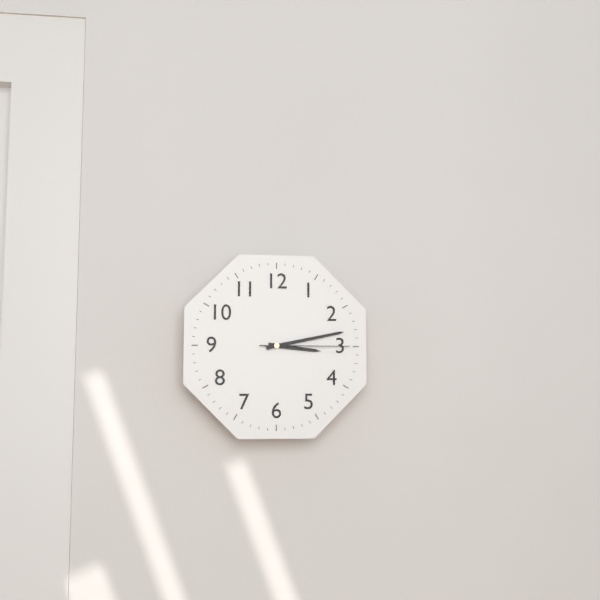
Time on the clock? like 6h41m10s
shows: 3h13m15s
